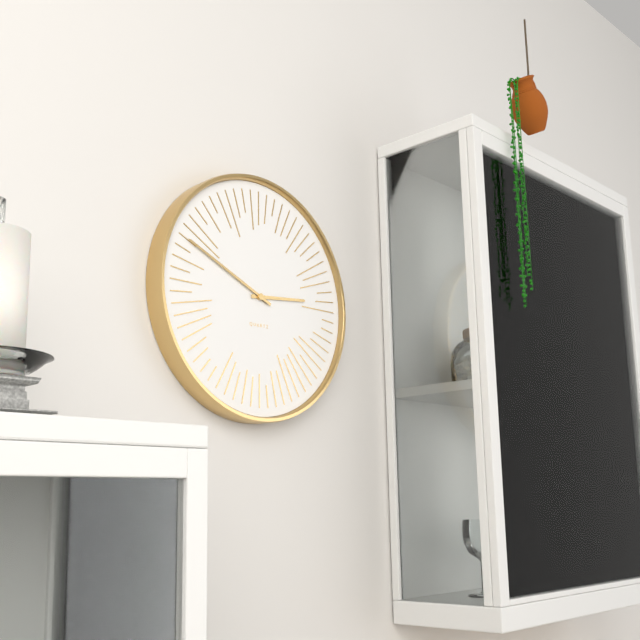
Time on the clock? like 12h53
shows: 2h49
